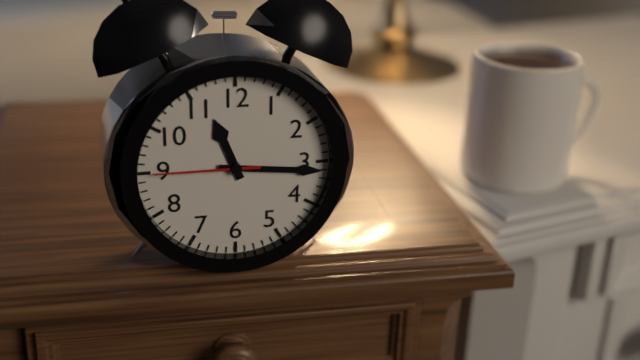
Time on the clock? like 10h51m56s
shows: 11h16m45s
